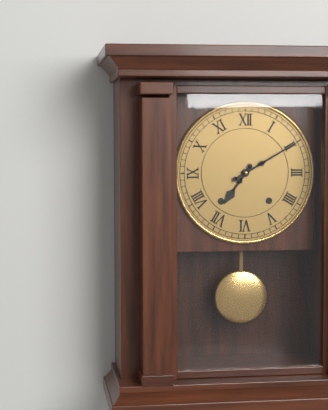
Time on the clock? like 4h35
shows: 7h10
